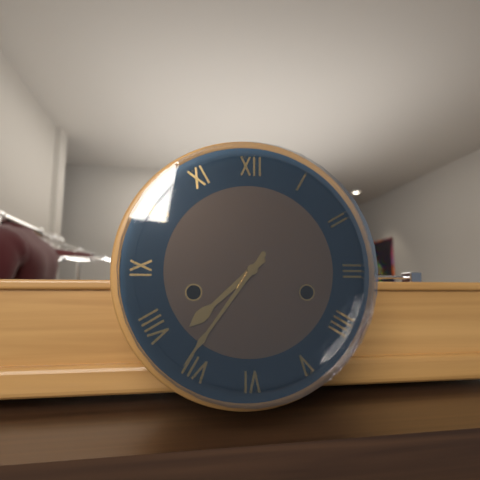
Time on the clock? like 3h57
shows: 7h36
